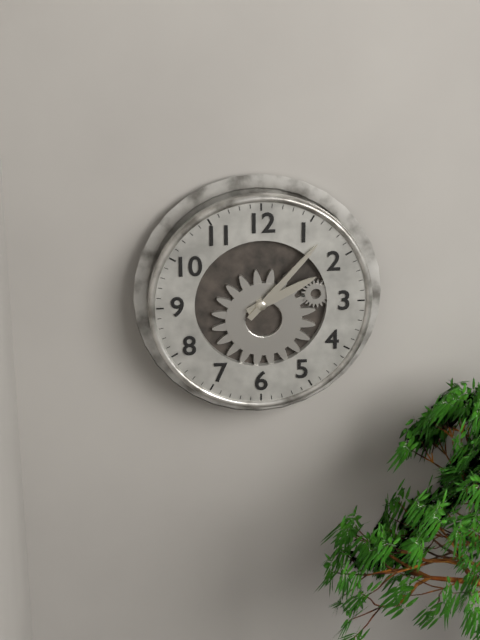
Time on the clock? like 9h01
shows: 2h07
